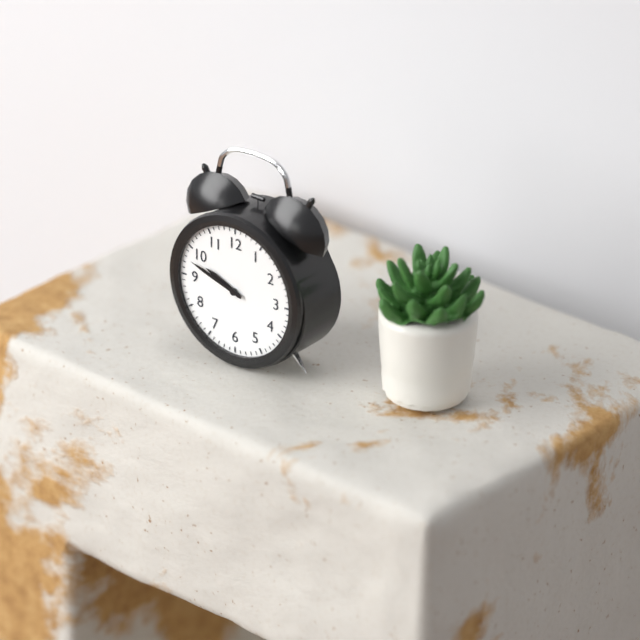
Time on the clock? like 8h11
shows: 9h48
